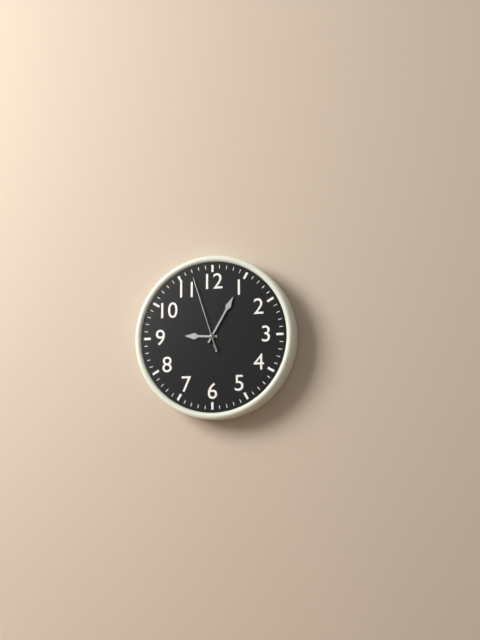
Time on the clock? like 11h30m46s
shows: 9h05m57s
